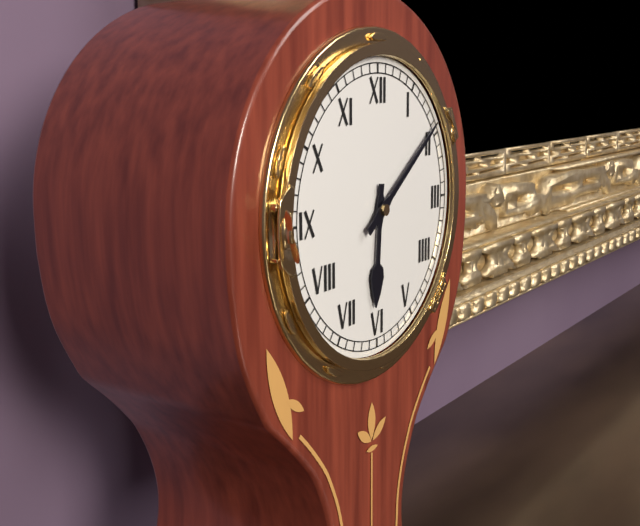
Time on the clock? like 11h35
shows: 6h09
